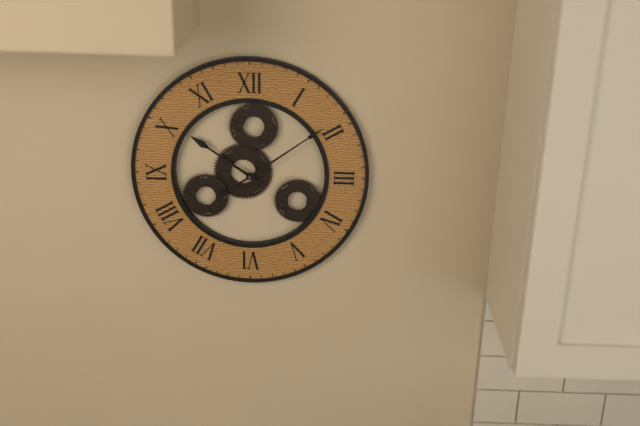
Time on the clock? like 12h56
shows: 10h09
